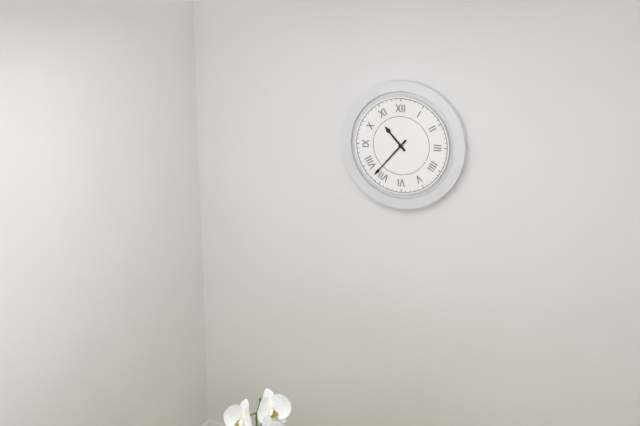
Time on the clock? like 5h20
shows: 10h37
